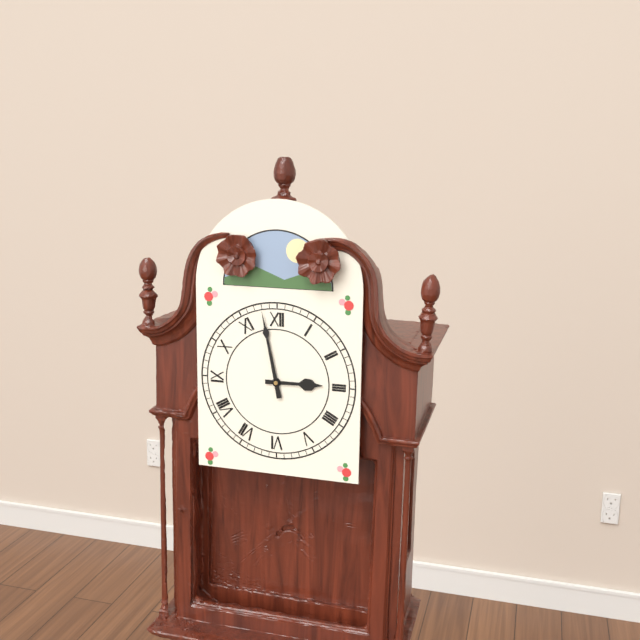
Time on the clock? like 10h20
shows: 2h58
